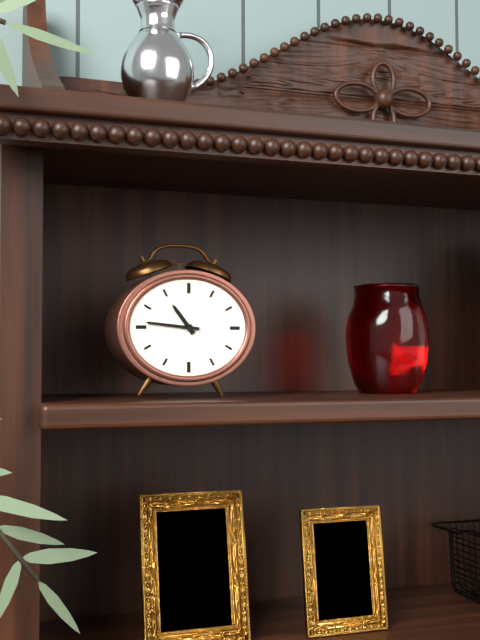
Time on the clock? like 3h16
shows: 10h46
